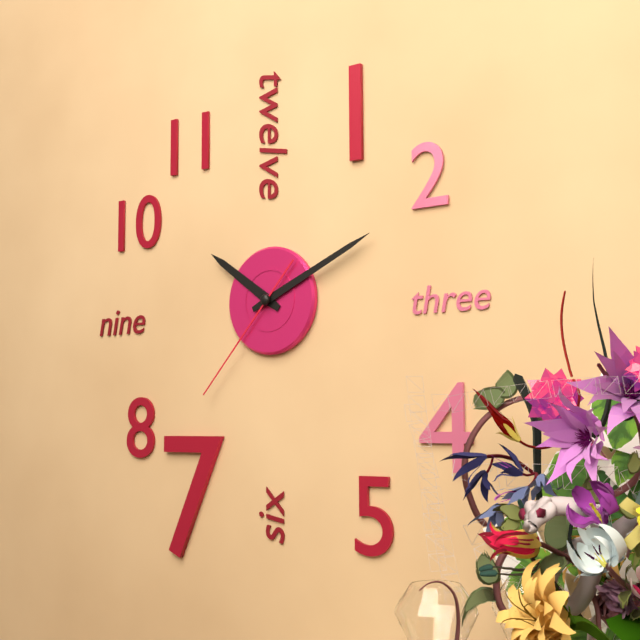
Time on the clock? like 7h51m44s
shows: 10h11m37s
